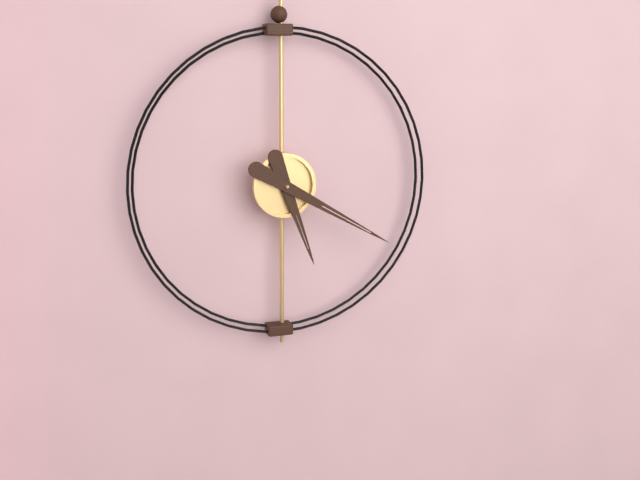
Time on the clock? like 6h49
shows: 5h20
